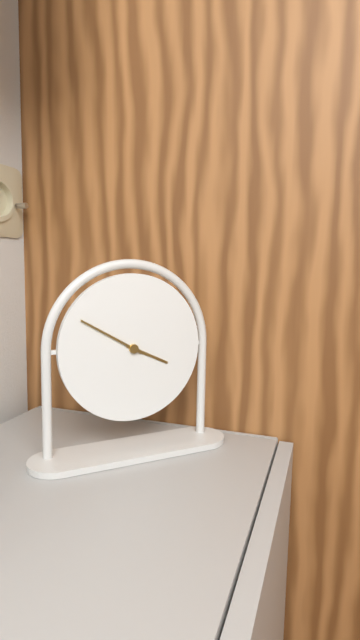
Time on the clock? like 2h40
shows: 3h50
